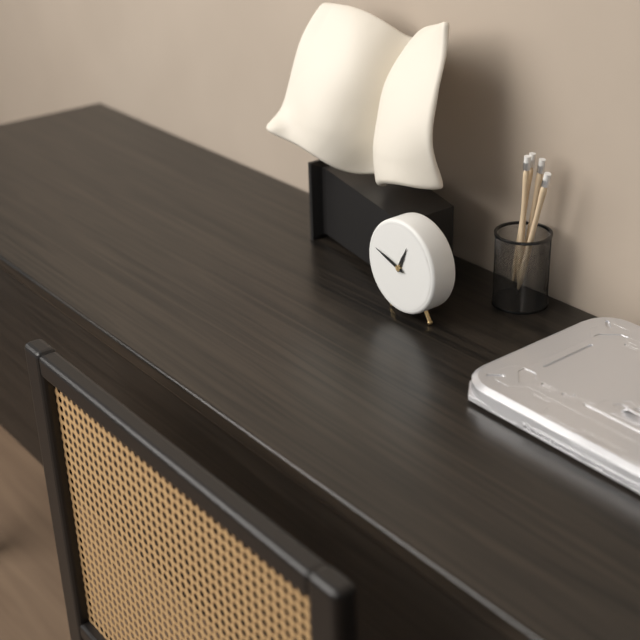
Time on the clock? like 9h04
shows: 12h48
